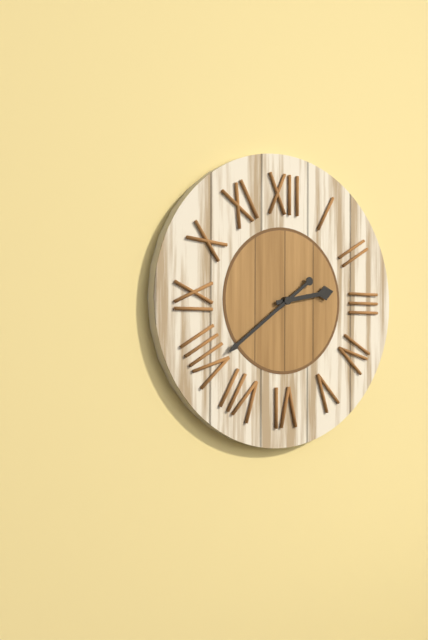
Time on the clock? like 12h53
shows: 2h39
